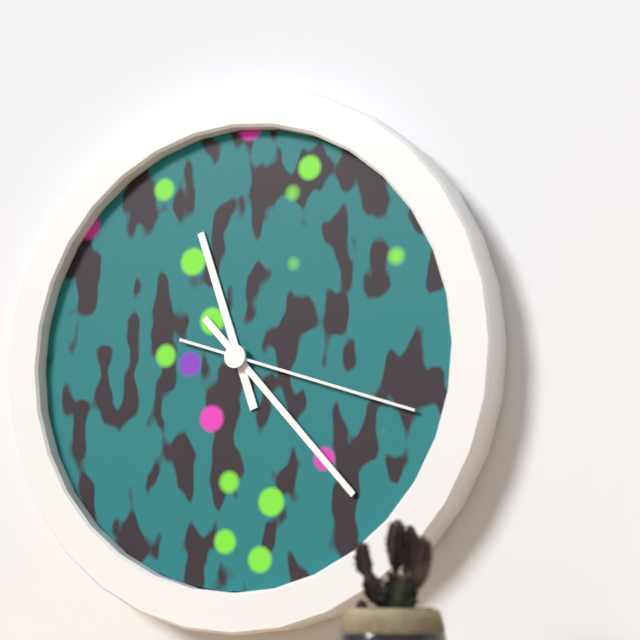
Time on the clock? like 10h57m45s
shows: 11h23m18s
